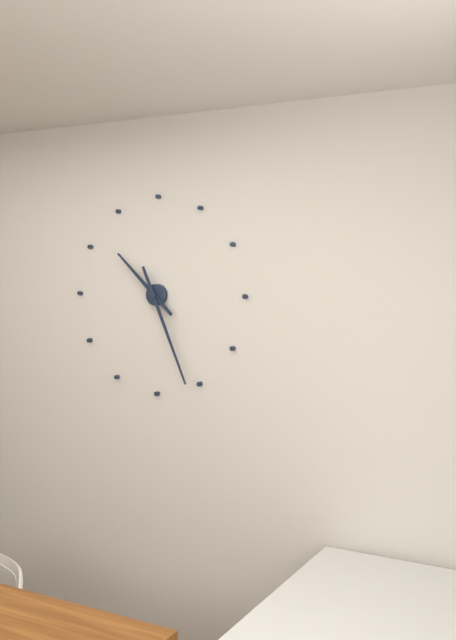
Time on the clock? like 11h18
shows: 10h26
